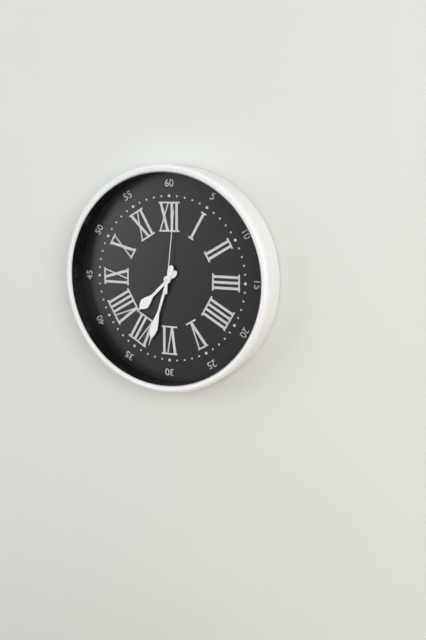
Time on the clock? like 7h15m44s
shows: 7h33m01s
